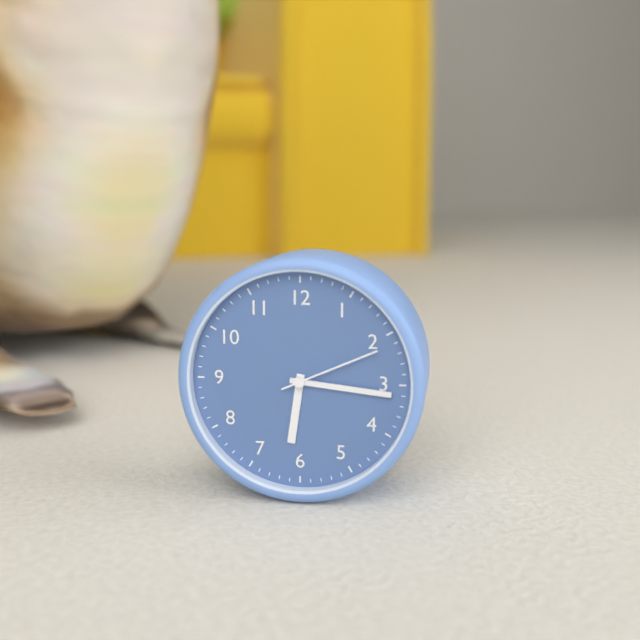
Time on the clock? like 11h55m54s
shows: 6h16m11s
